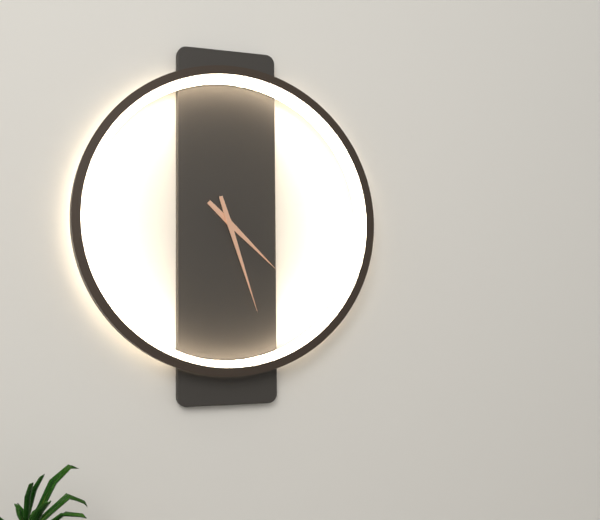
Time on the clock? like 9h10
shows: 4h27
